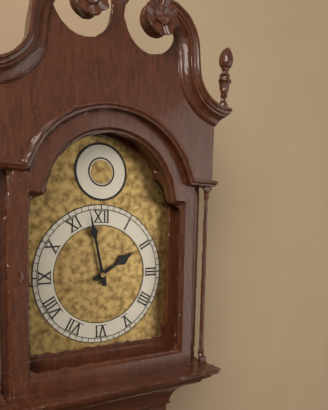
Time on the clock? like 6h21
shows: 1h58
